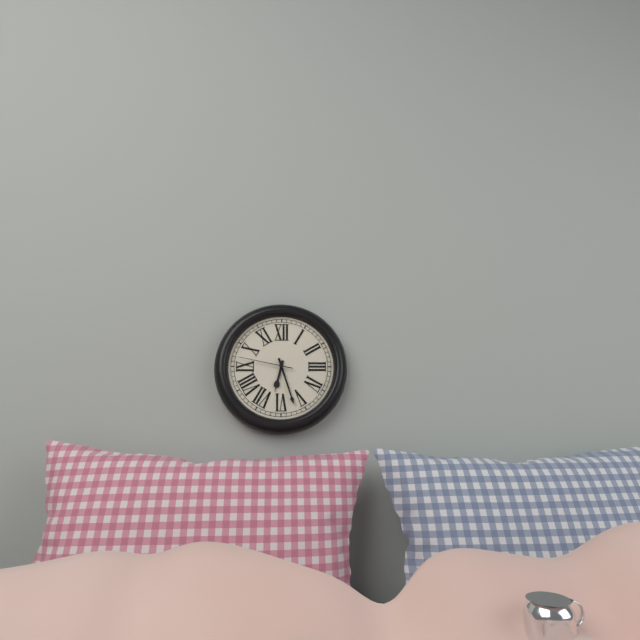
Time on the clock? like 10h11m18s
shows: 6h27m47s
